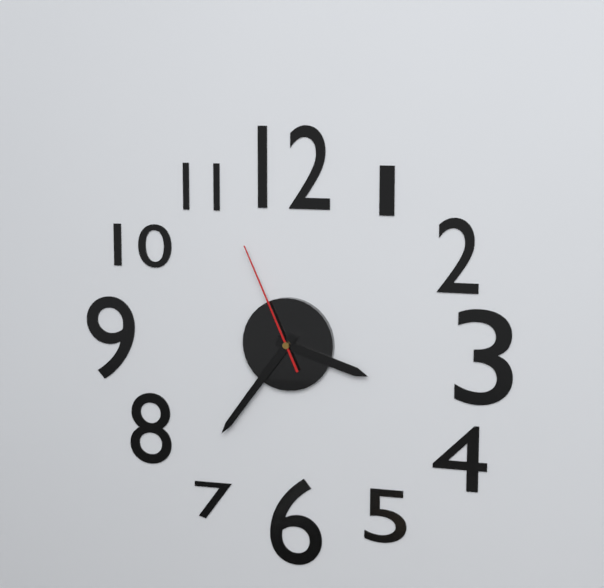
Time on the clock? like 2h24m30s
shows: 3h36m56s
